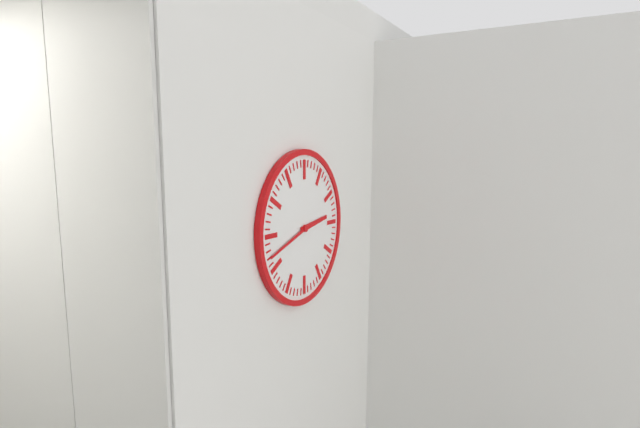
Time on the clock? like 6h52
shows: 2h42
